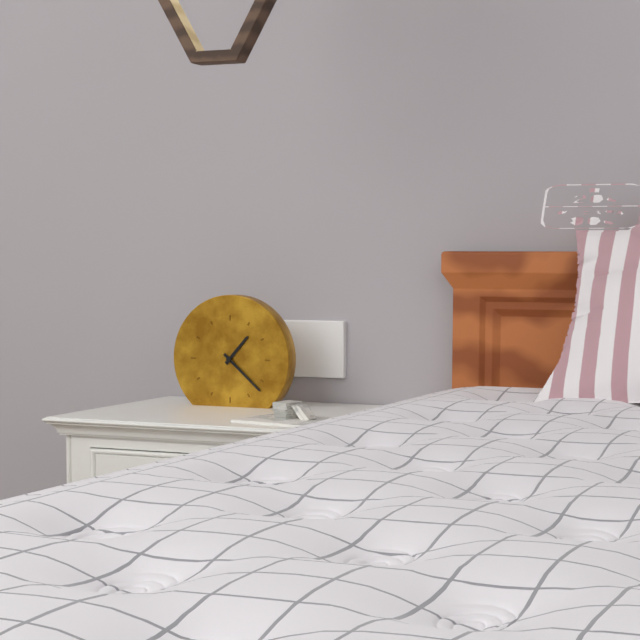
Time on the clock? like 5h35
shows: 1h22
